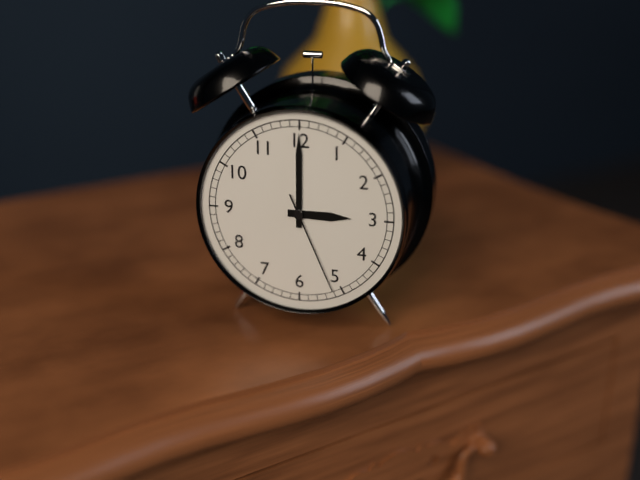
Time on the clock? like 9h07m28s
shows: 3h00m26s
